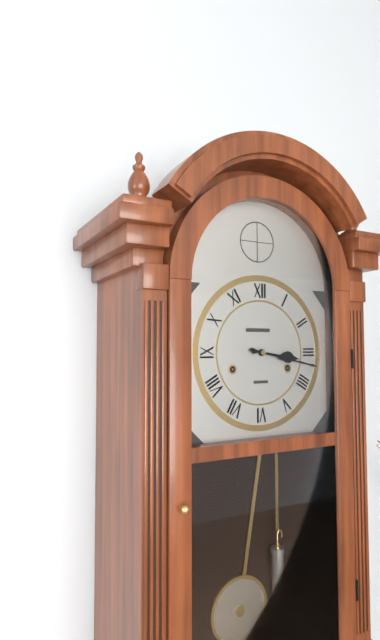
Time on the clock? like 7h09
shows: 3h17
